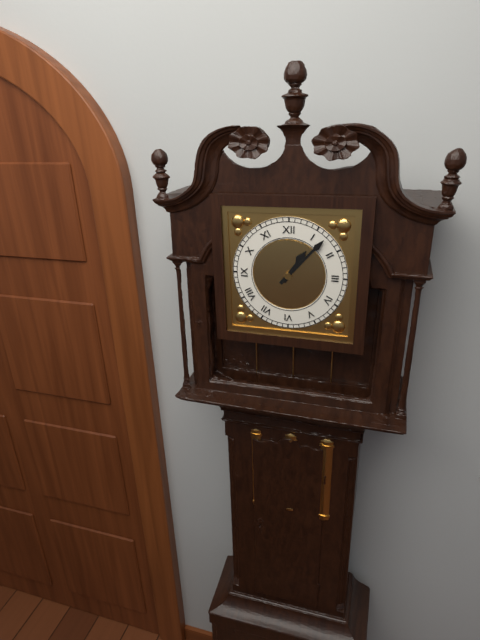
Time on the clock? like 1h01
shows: 1h07
